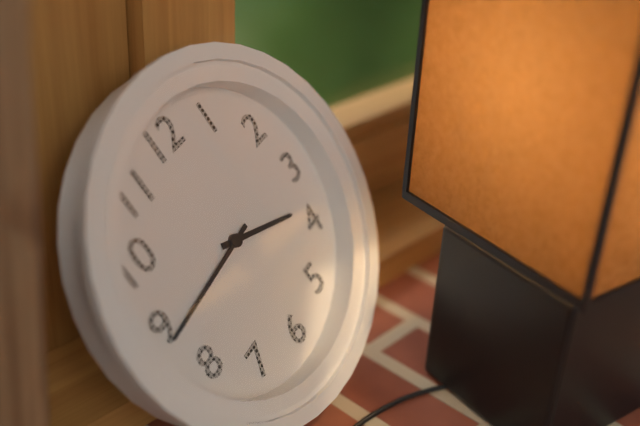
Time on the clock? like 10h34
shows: 3h44
